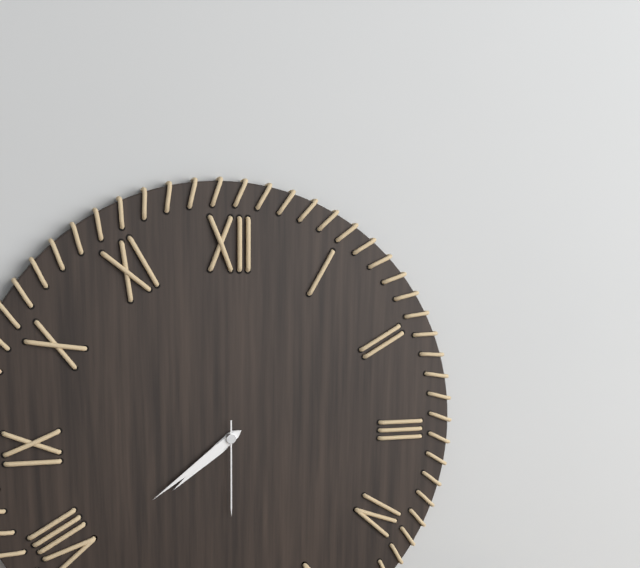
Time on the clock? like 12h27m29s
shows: 7h39m30s
